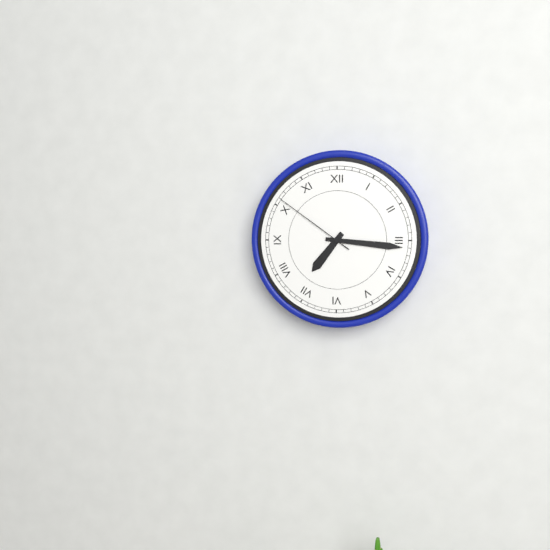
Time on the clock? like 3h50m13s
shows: 7h16m51s
